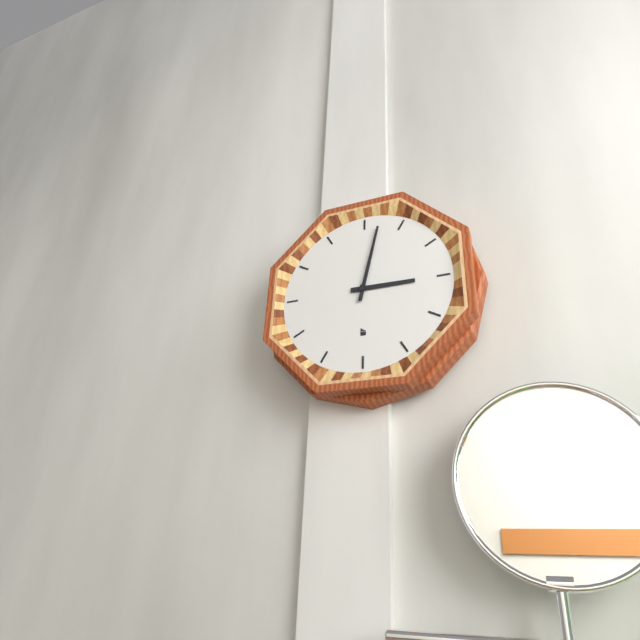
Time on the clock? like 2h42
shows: 3h02
